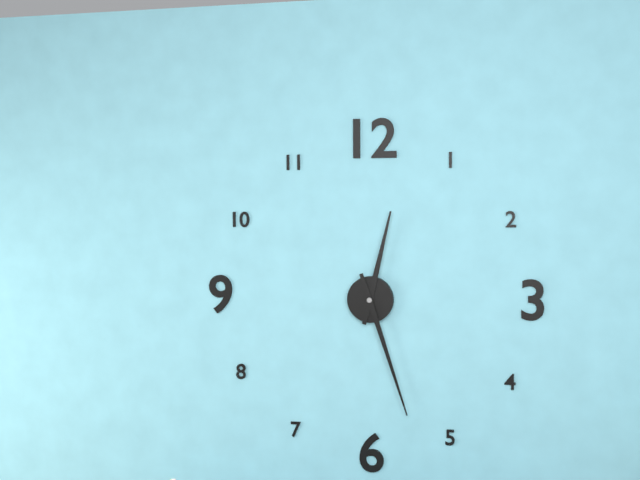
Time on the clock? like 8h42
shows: 12h27
